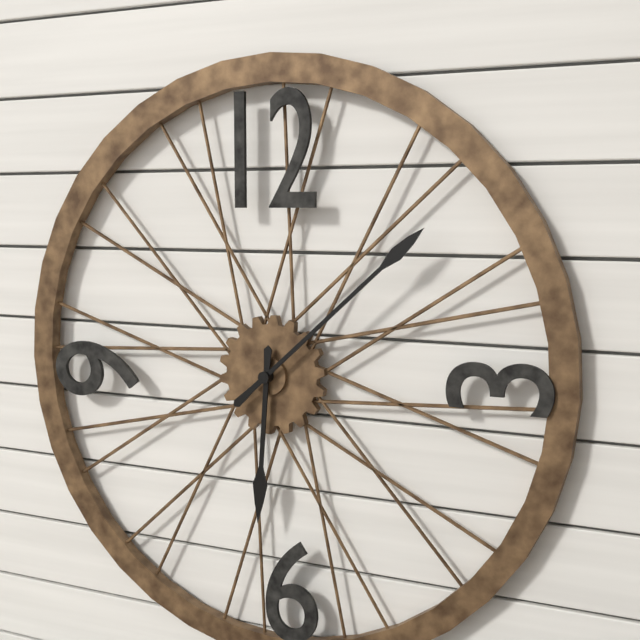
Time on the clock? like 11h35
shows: 6h08
